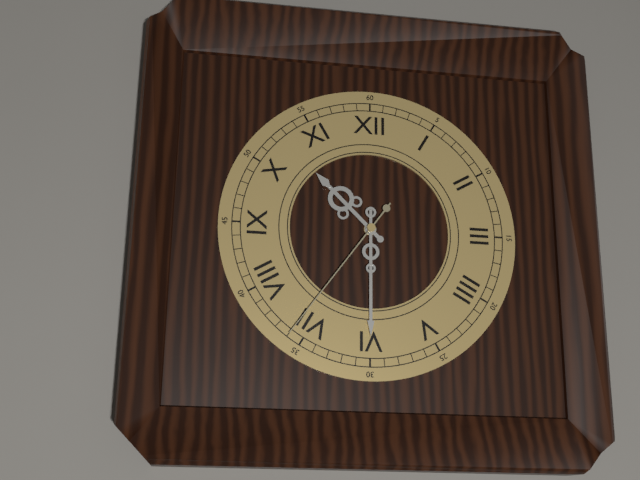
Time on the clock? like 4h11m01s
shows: 10h30m36s
